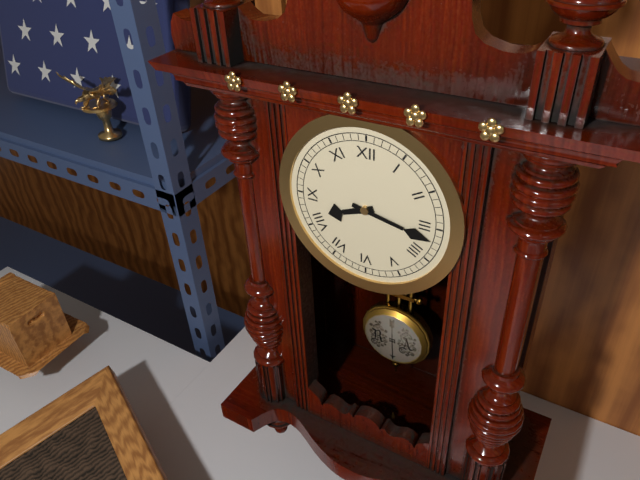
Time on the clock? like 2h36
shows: 8h17
